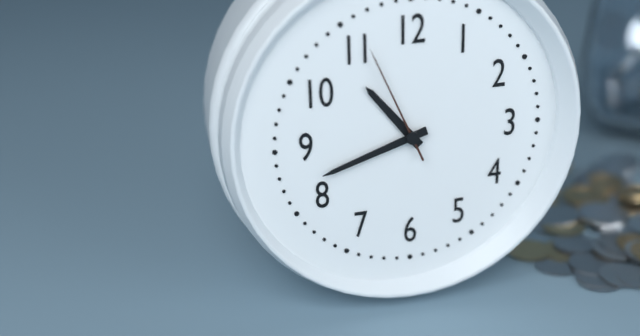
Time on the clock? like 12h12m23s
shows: 10h42m56s
